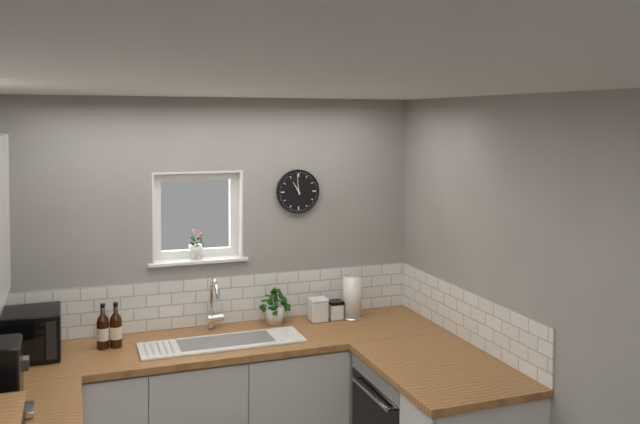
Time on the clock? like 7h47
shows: 10h59
